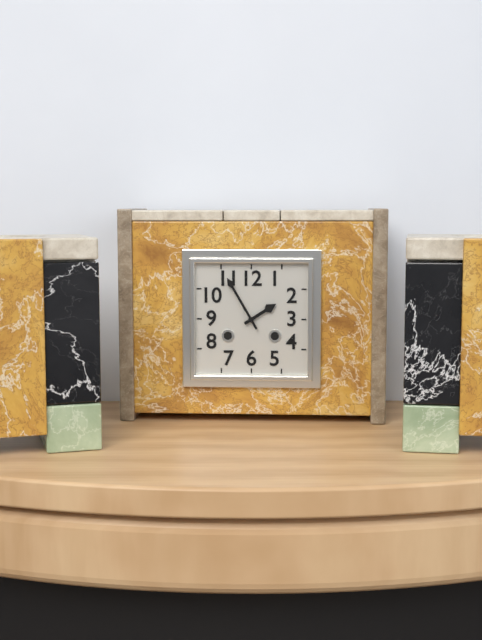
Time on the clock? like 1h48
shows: 1h55
